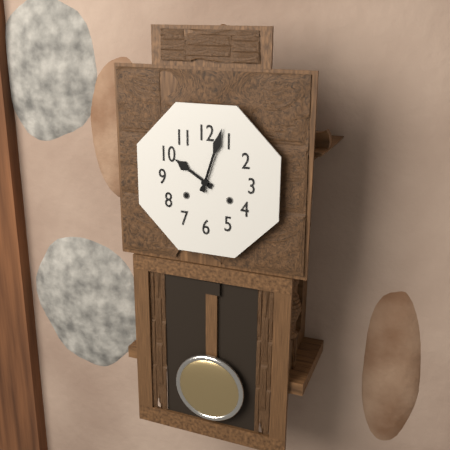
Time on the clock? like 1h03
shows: 10h03
